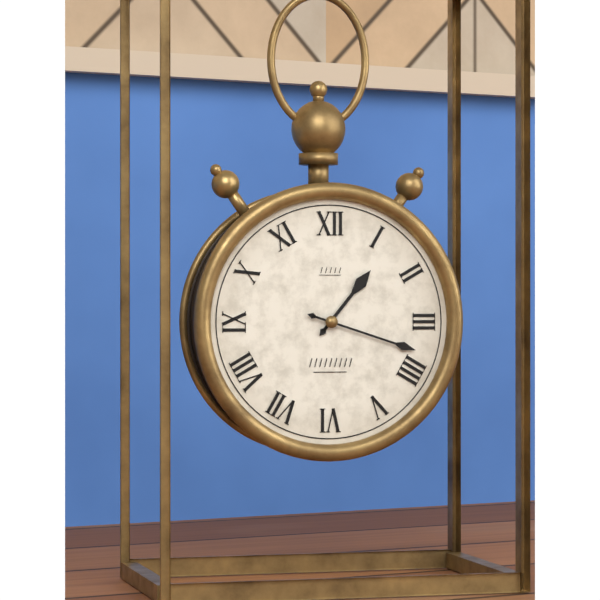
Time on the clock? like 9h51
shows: 1h18
